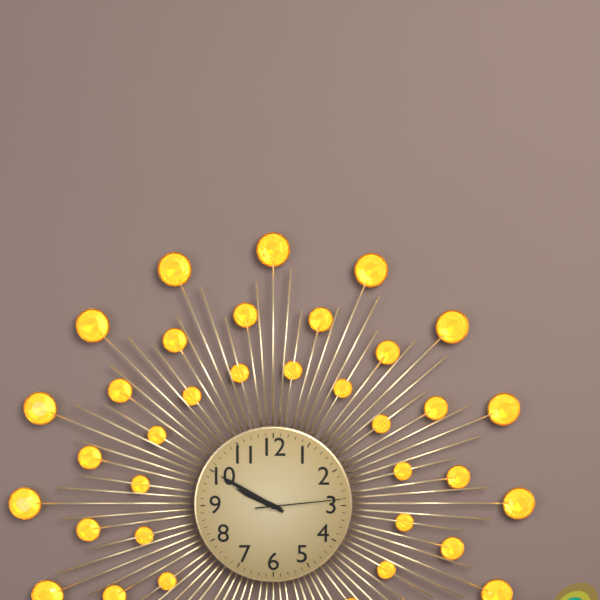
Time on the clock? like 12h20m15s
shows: 9h50m14s
